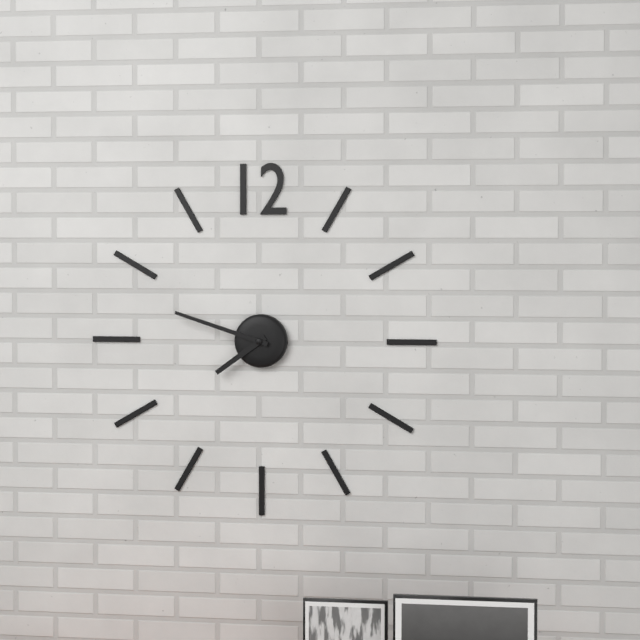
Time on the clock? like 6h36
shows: 7h48
